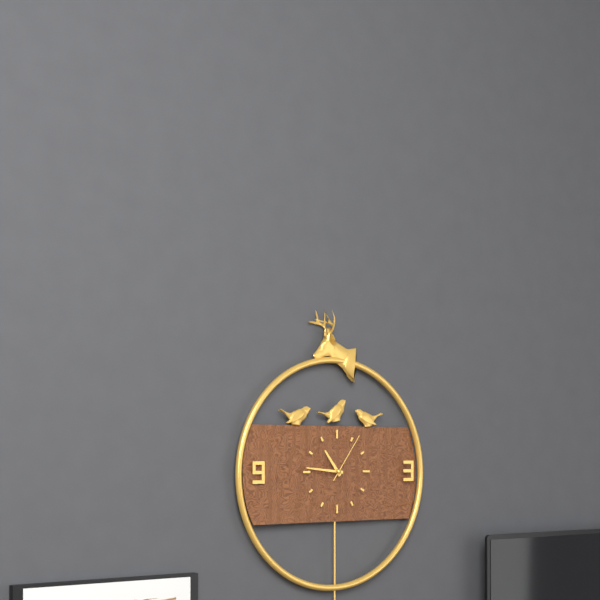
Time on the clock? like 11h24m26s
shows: 10h46m06s
